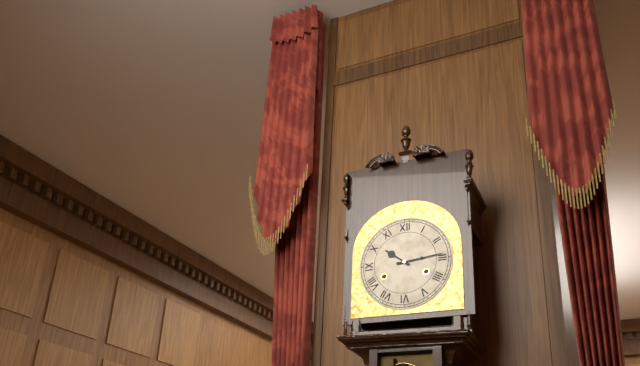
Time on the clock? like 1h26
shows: 10h14
